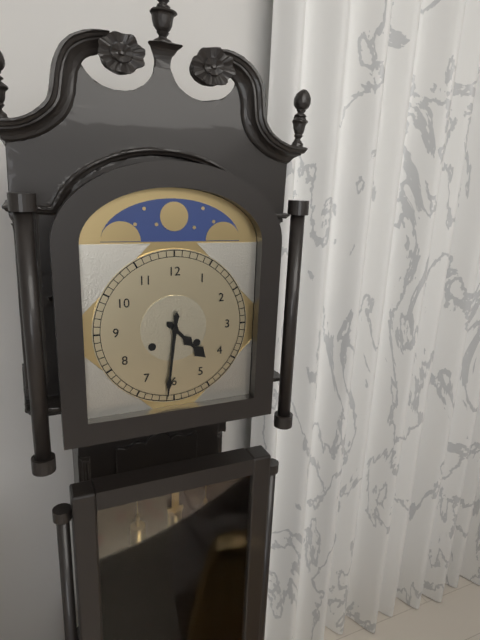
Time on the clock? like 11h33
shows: 4h31
